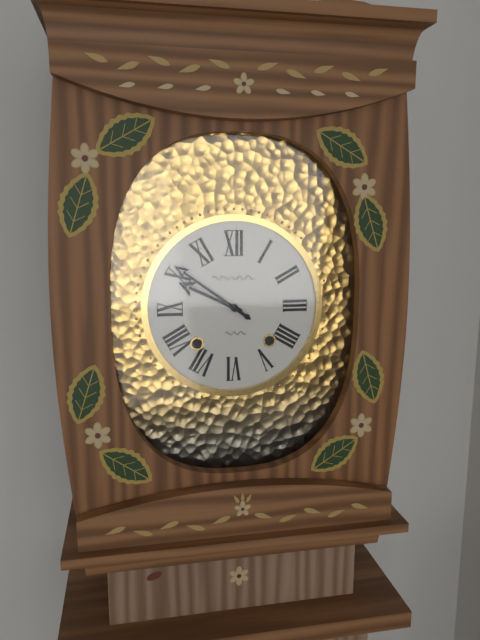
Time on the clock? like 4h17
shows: 9h51
